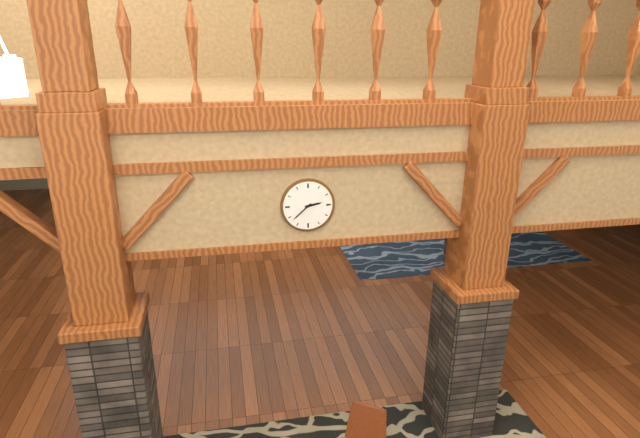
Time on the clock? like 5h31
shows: 2h38
